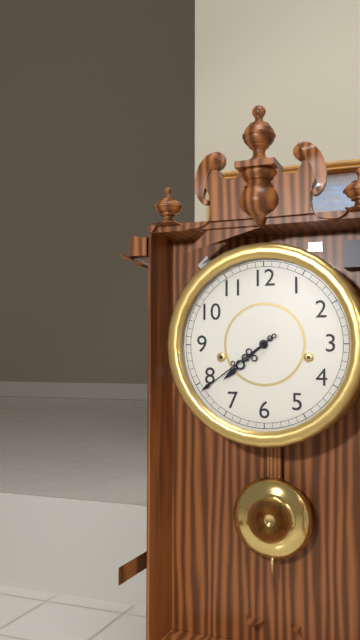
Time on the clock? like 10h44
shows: 7h39
